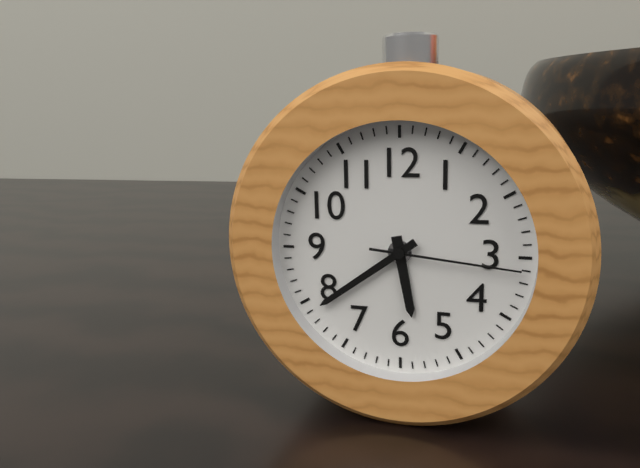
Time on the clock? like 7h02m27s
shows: 5h39m16s
